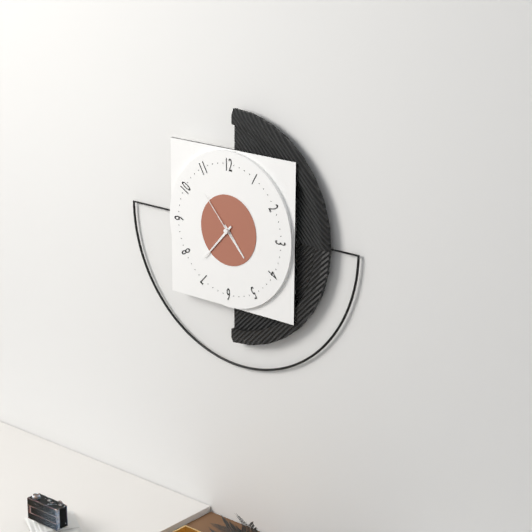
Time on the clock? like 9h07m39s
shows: 4h37m53s
